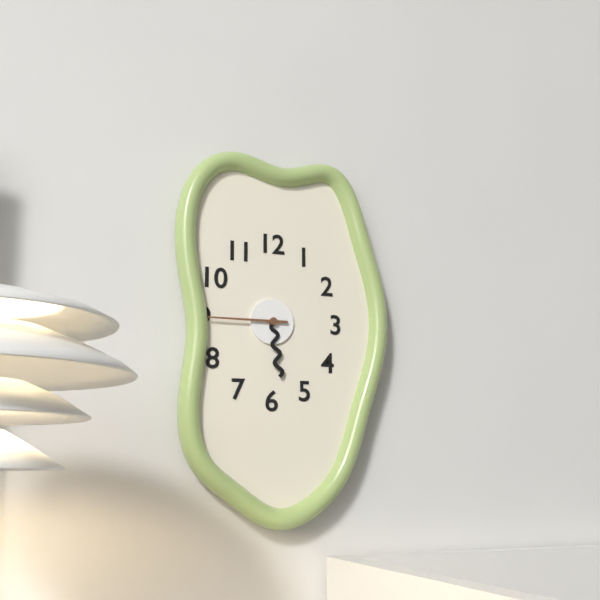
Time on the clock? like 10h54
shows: 5h45
